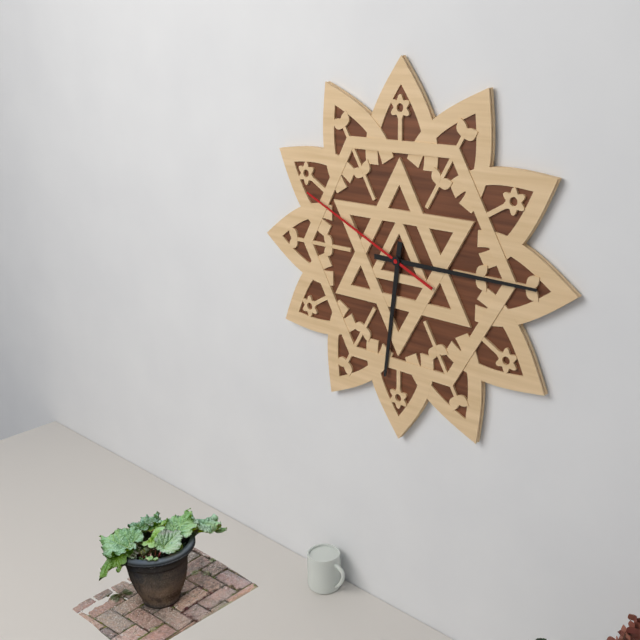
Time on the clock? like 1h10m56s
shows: 6h15m49s
